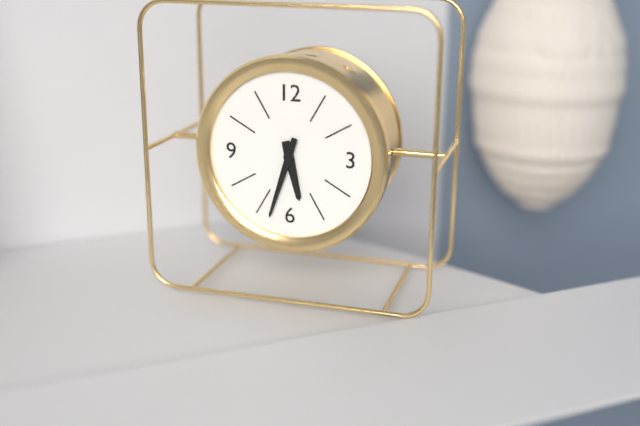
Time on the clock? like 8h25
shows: 5h33
